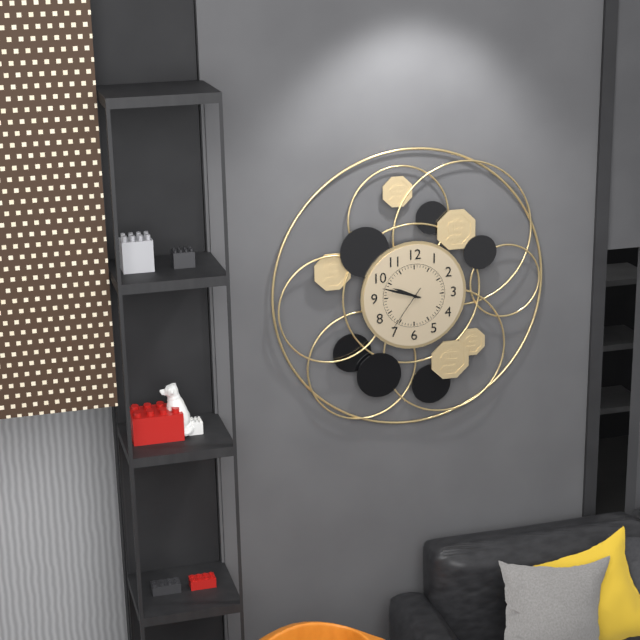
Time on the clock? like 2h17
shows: 9h48
